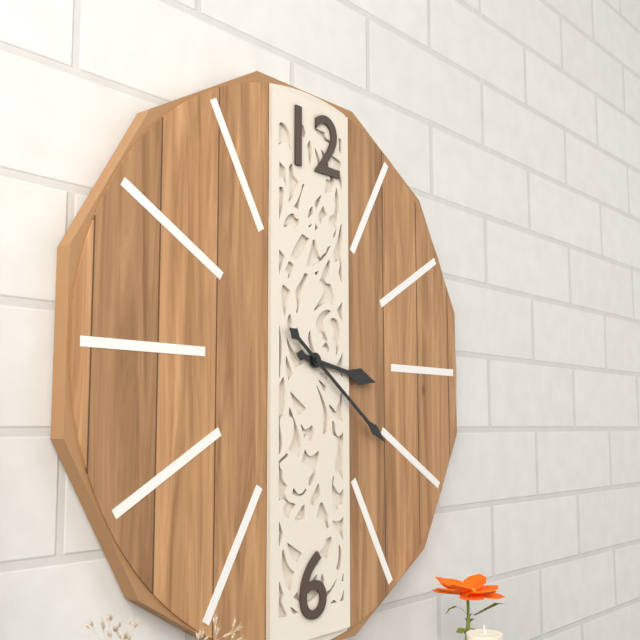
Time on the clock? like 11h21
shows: 3h21
